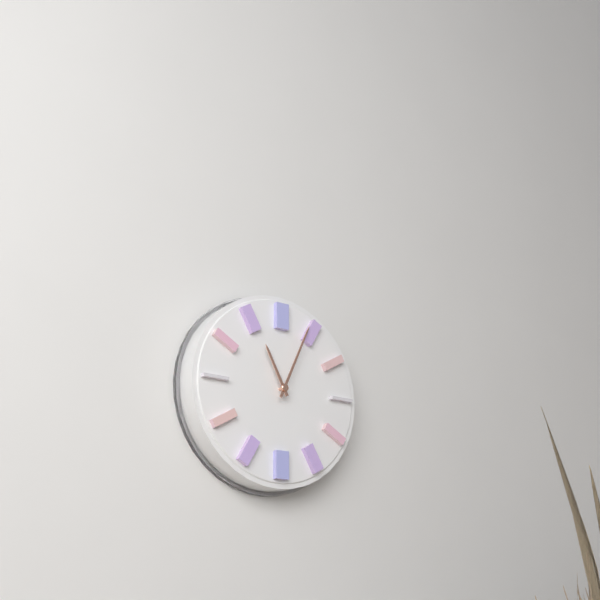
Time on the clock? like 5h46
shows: 11h04
